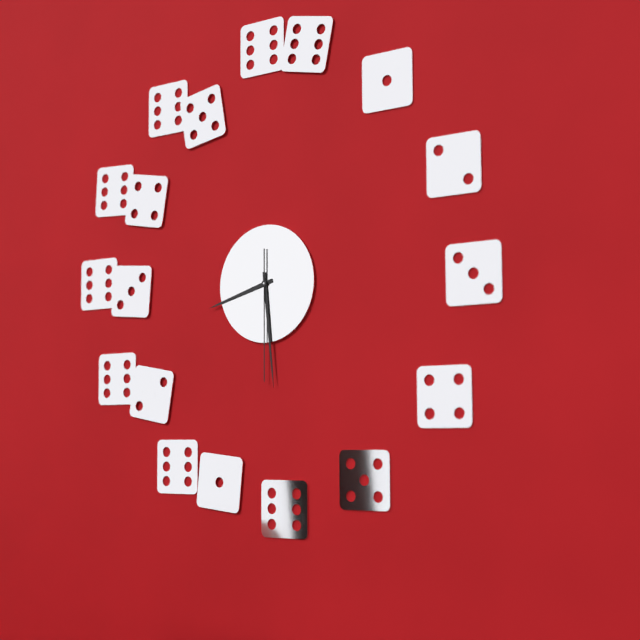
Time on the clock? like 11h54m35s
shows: 8h29m30s
